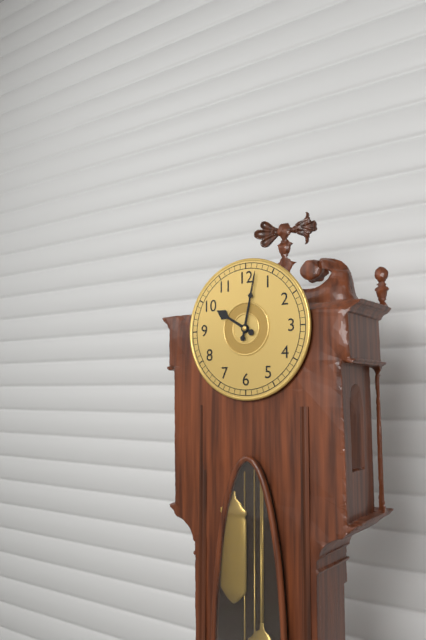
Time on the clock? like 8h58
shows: 10h02
